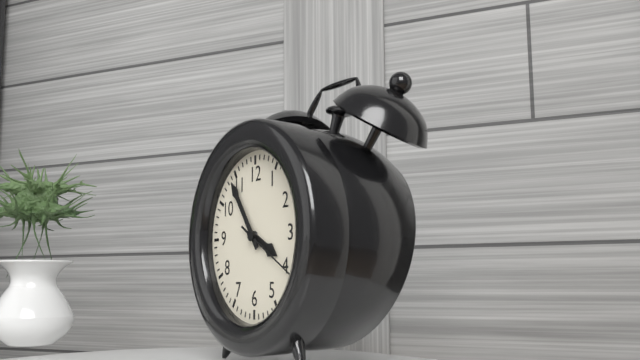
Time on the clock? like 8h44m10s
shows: 3h54m20s
